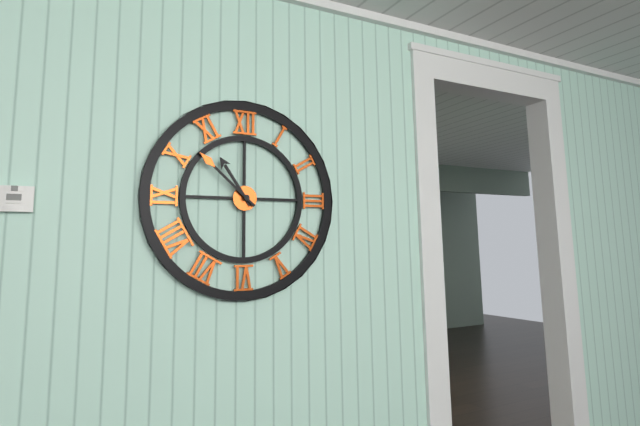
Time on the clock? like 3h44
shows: 10h52
